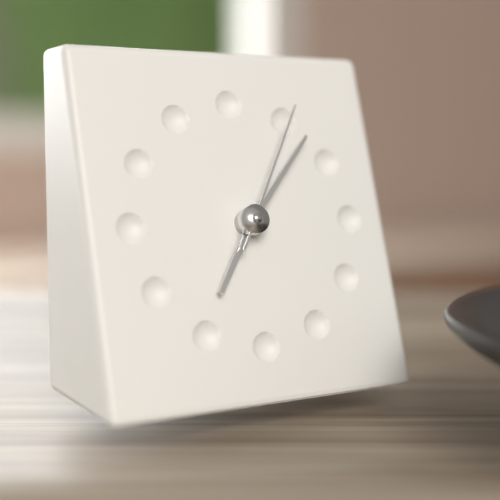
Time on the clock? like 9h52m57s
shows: 7h07m05s
